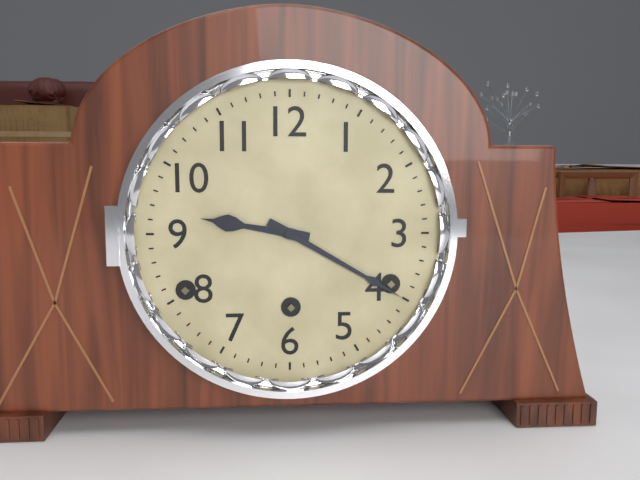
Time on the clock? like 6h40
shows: 9h20
